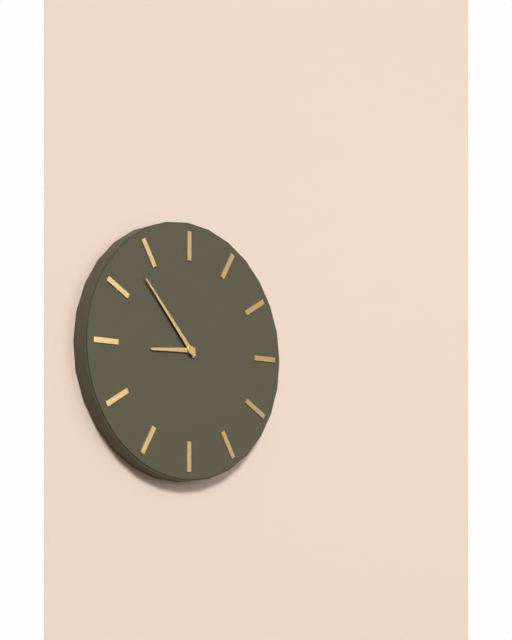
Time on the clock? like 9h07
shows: 8h53
